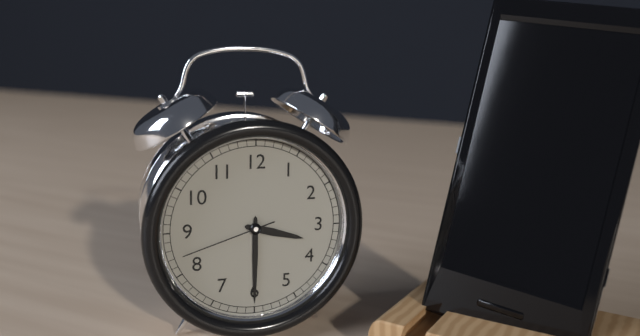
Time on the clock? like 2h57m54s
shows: 3h30m42s
